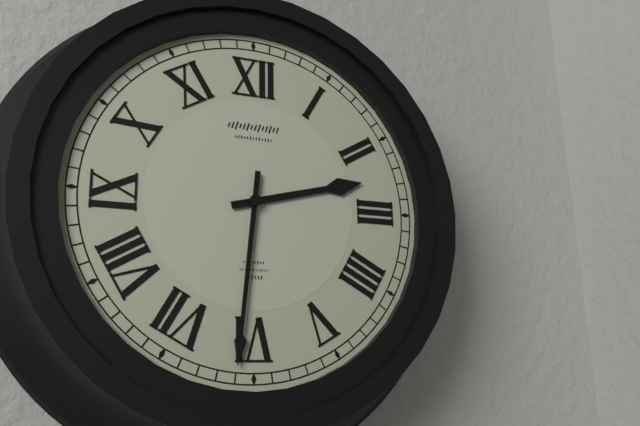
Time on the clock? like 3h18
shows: 2h31
